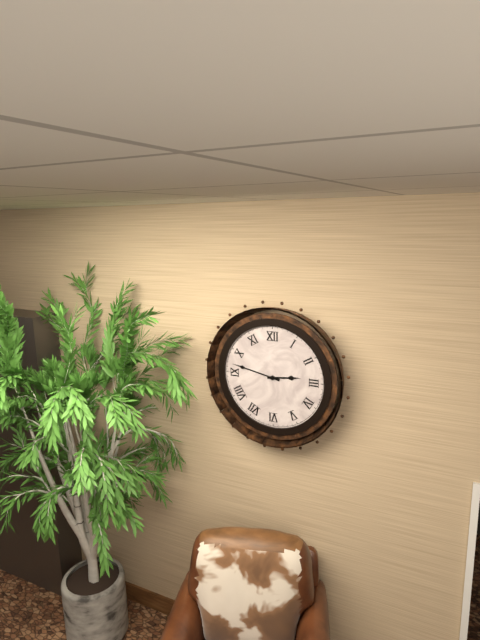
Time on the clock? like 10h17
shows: 2h47
